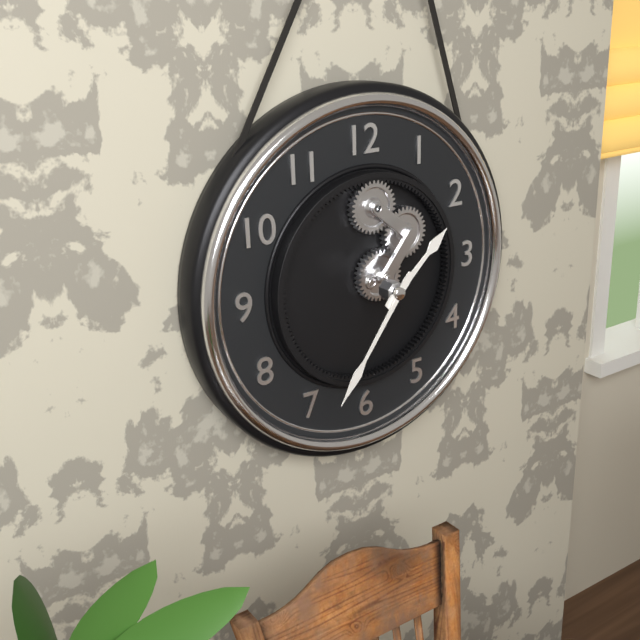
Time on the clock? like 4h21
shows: 1h36
